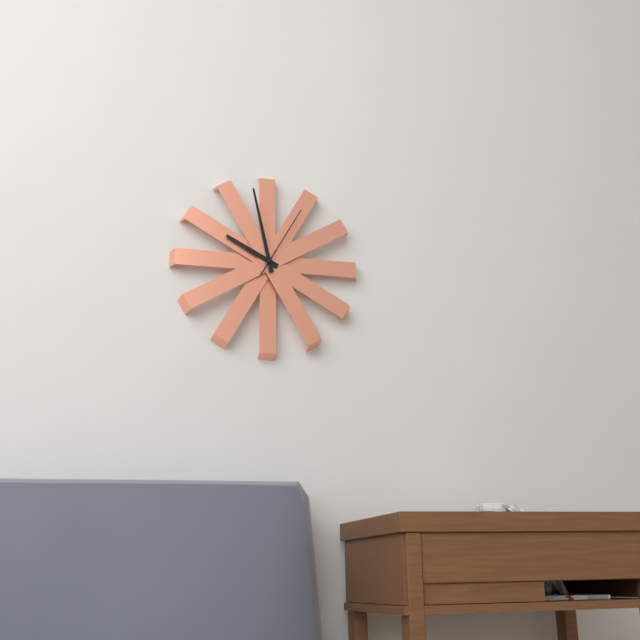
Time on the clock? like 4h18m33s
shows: 9h58m05s
